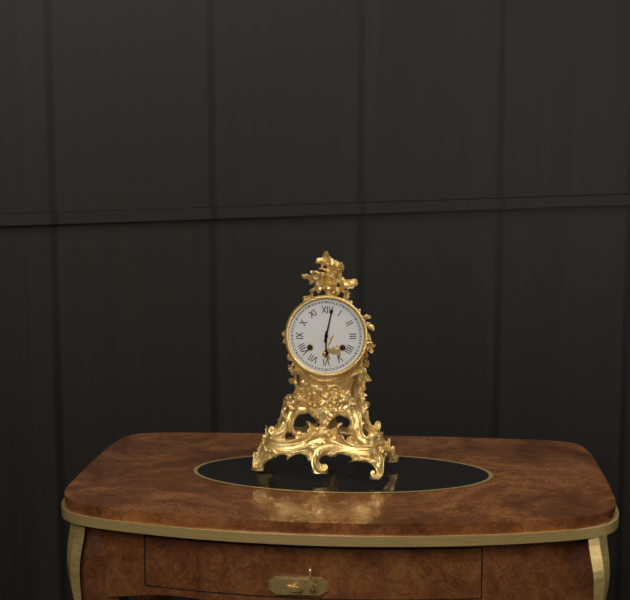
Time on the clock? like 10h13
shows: 6h02
